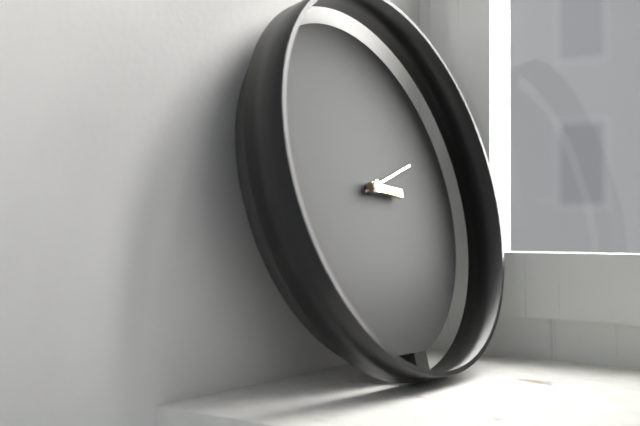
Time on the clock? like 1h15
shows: 3h12
